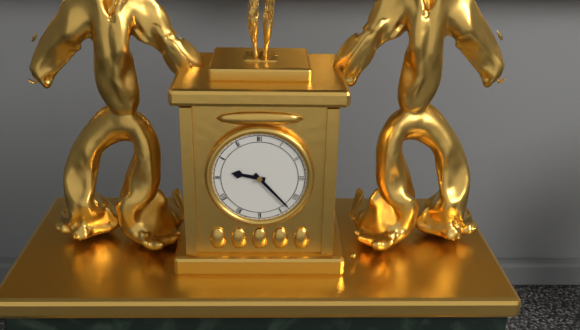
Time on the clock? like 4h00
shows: 9h23
